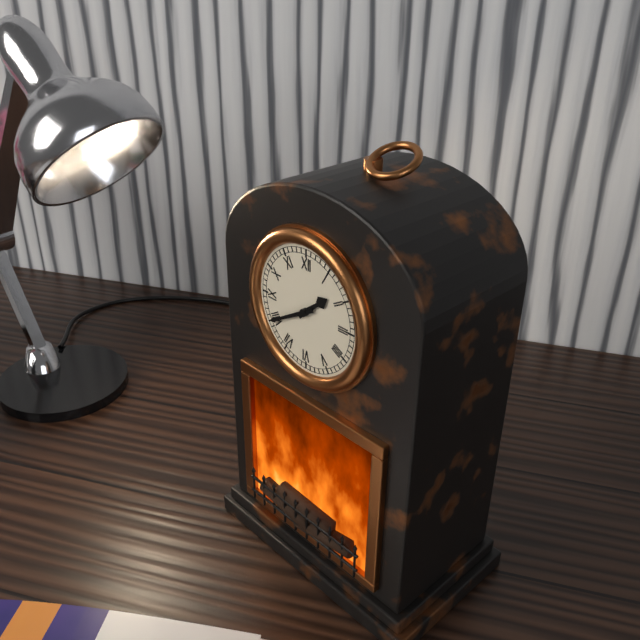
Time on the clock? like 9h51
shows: 1h40
